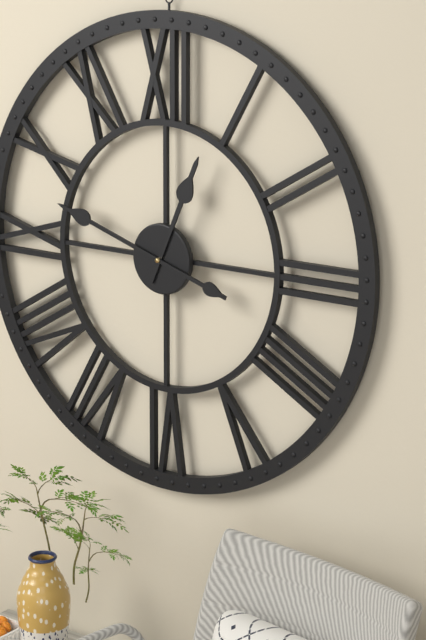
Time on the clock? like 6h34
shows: 12h48
